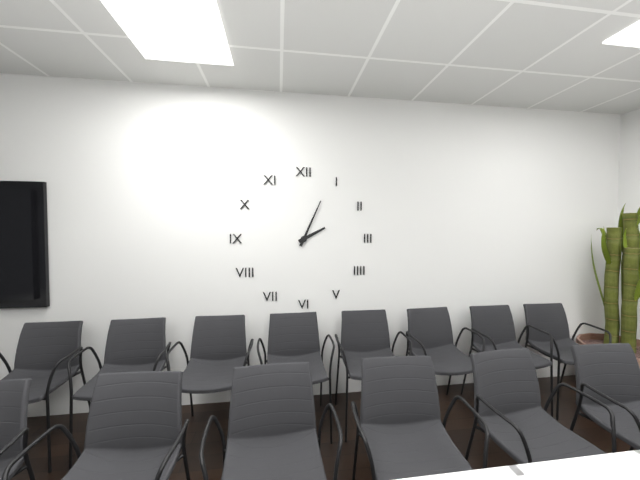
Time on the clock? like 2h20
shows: 2h04
